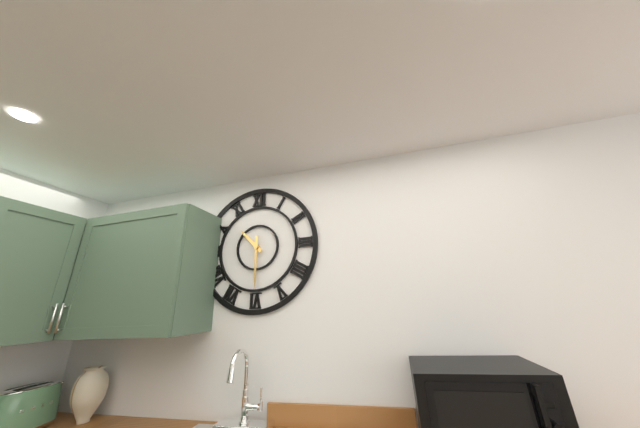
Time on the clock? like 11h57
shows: 10h30
